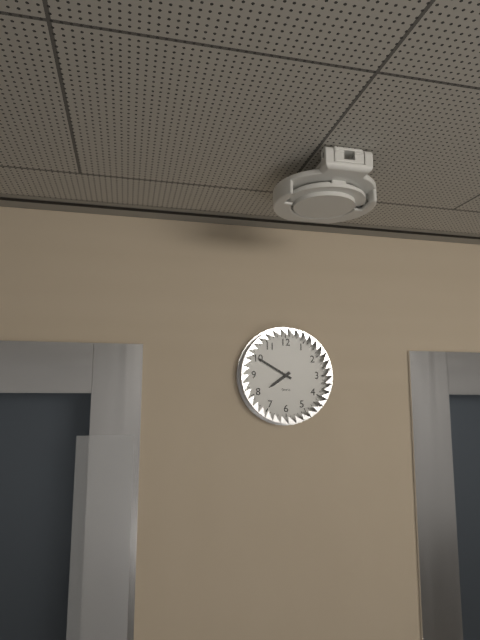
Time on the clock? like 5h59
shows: 7h50
